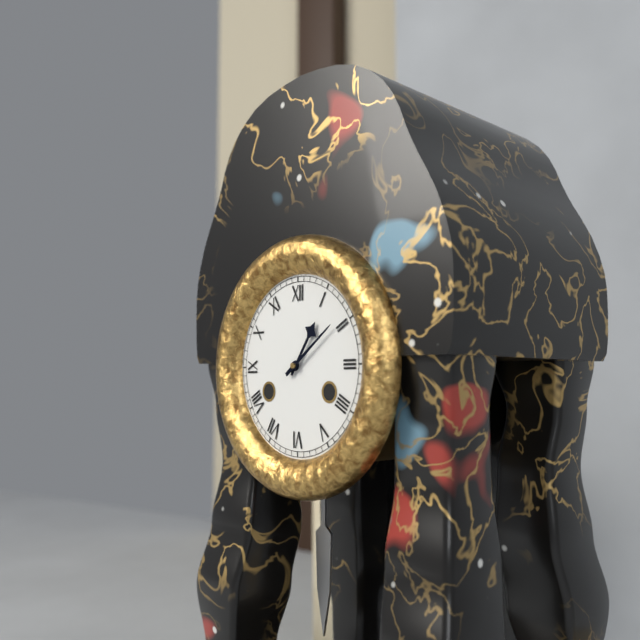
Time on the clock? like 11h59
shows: 1h09
